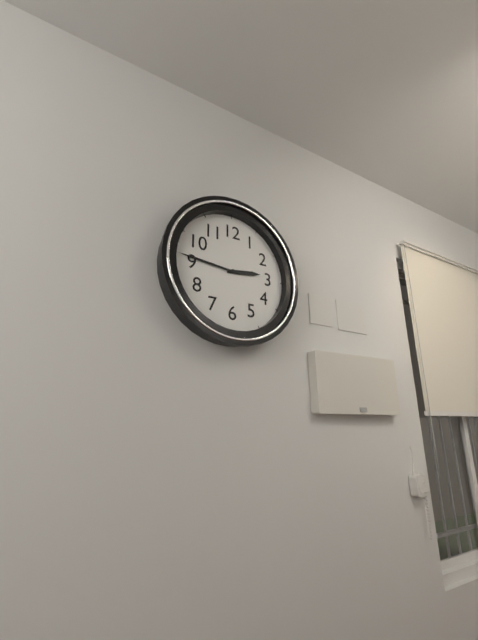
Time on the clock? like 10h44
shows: 2h46
